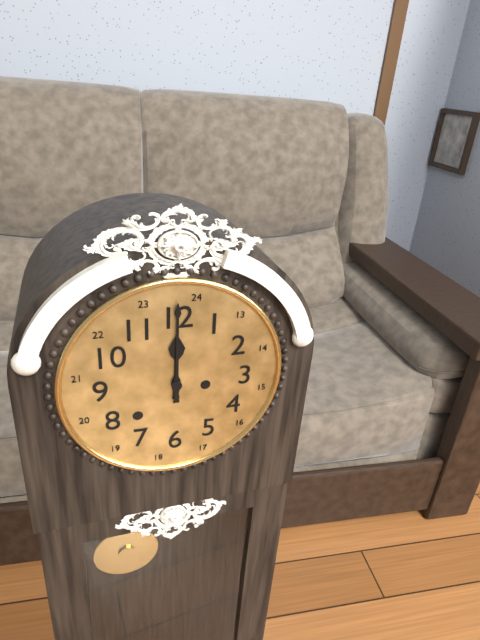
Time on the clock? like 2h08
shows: 12h00
